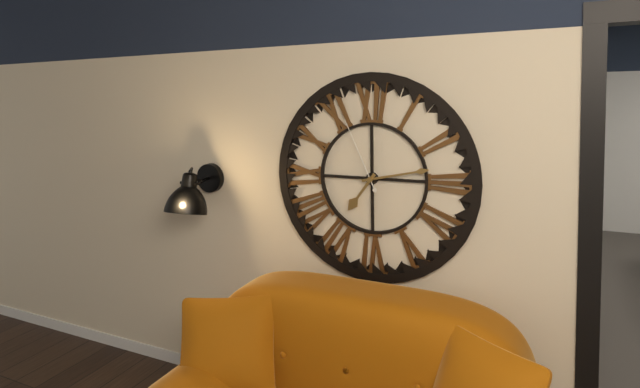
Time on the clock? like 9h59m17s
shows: 7h13m56s
